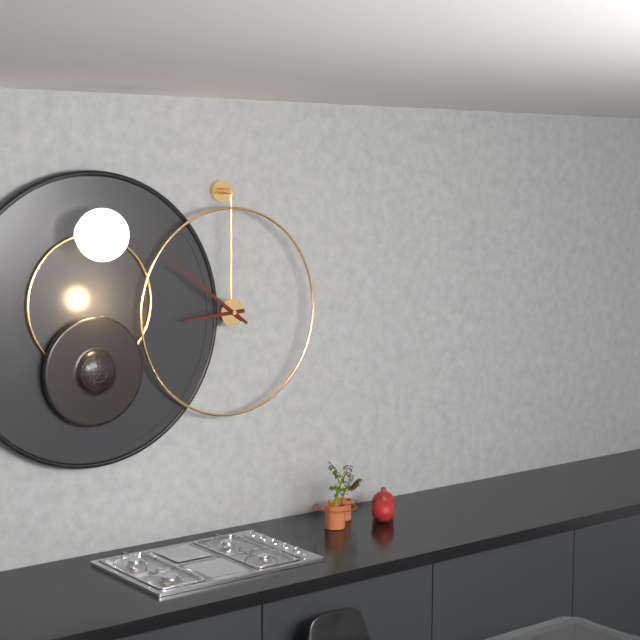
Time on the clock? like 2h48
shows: 8h51
